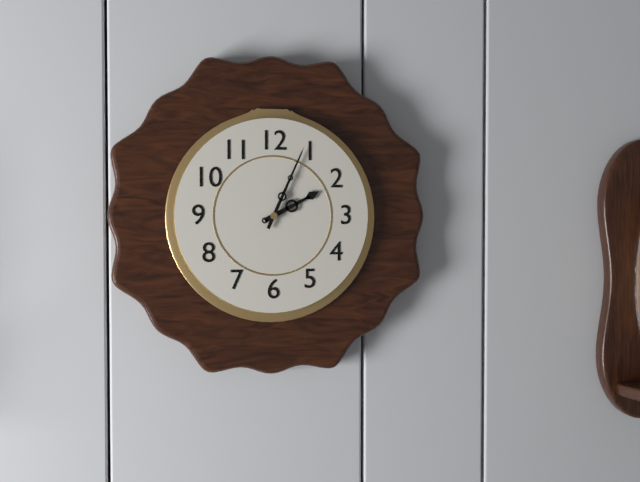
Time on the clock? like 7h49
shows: 2h04
